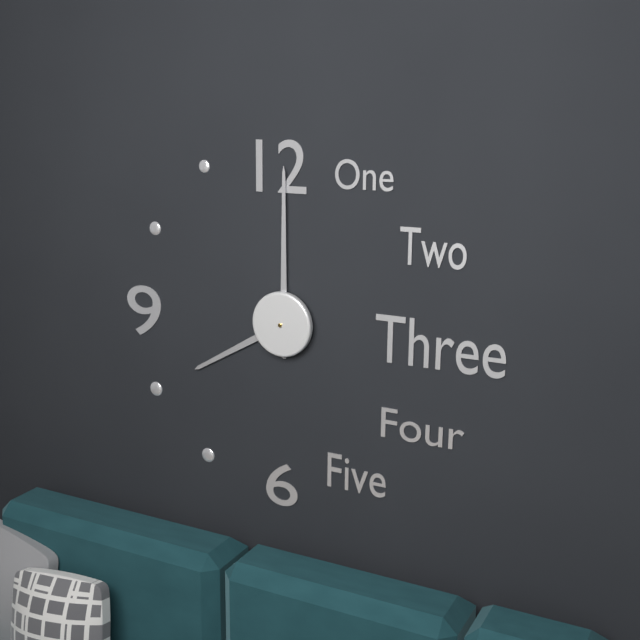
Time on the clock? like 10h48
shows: 8h00
